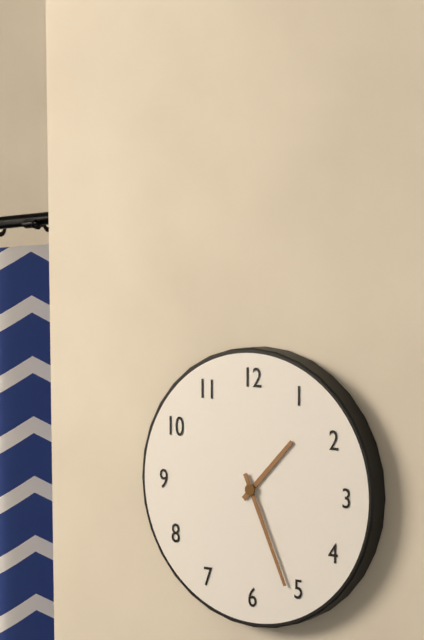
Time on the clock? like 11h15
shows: 1h26
